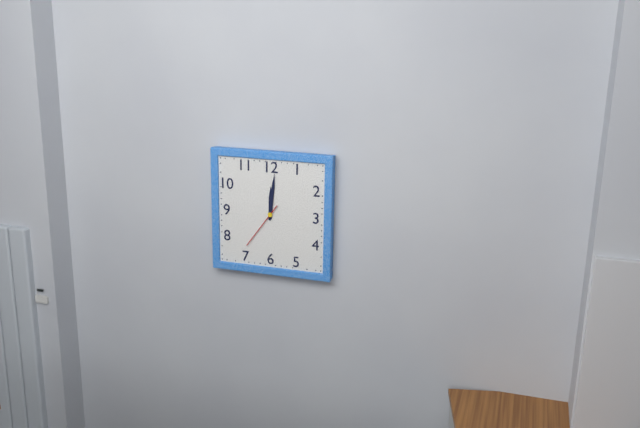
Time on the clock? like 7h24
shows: 12h01
